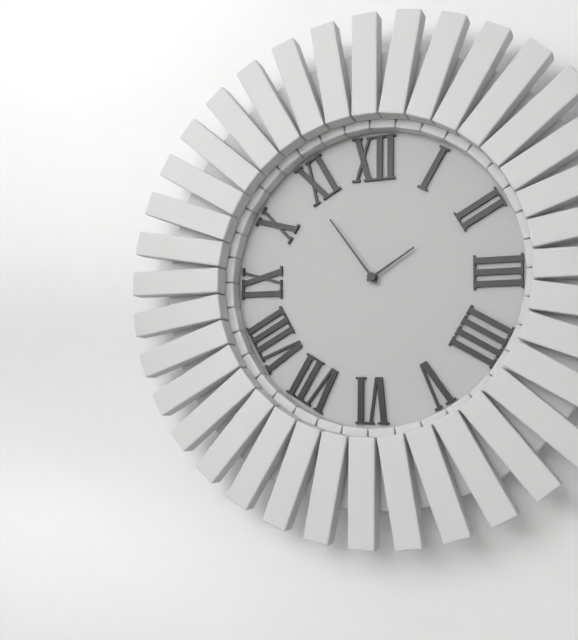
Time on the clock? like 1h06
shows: 1h54
